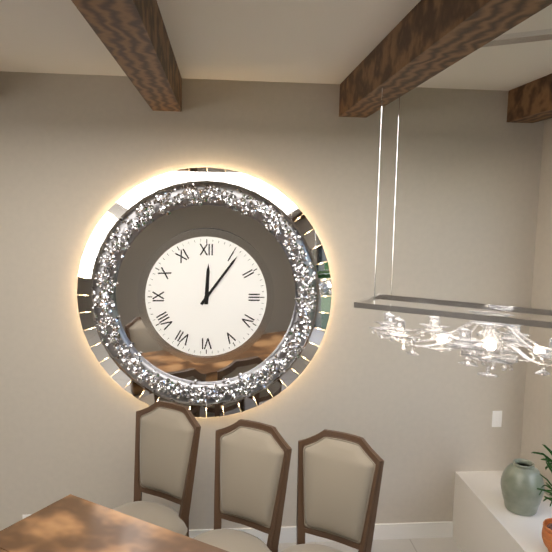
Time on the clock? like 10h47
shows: 12h06
